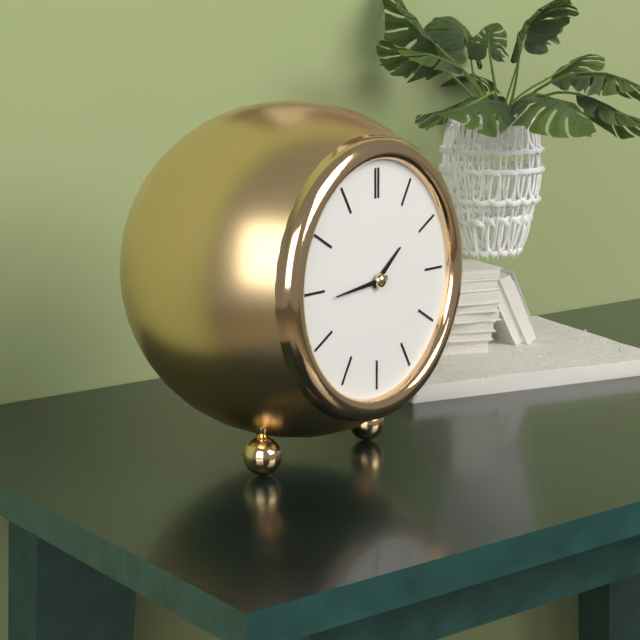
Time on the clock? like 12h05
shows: 1h44
